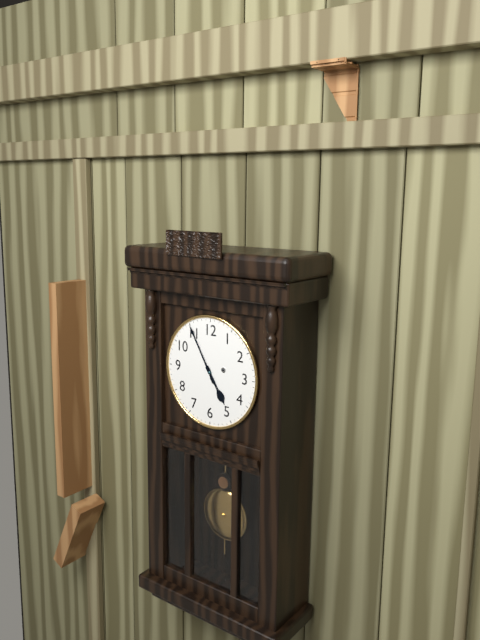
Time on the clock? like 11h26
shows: 4h55
